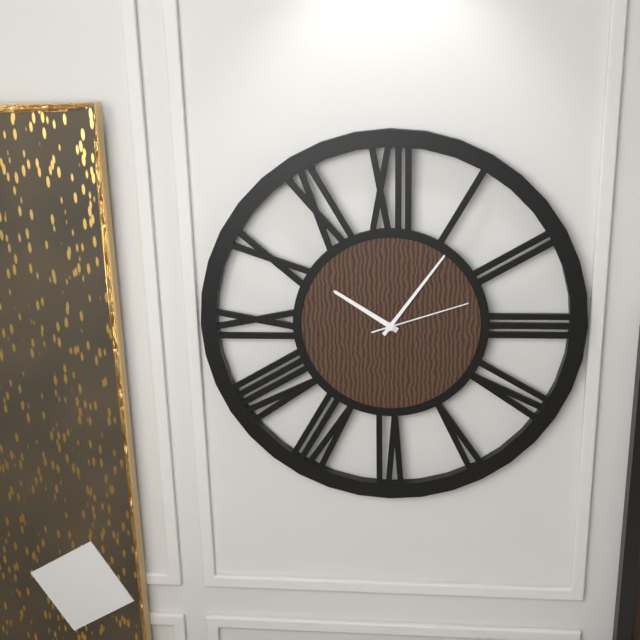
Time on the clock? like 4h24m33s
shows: 10h06m12s
